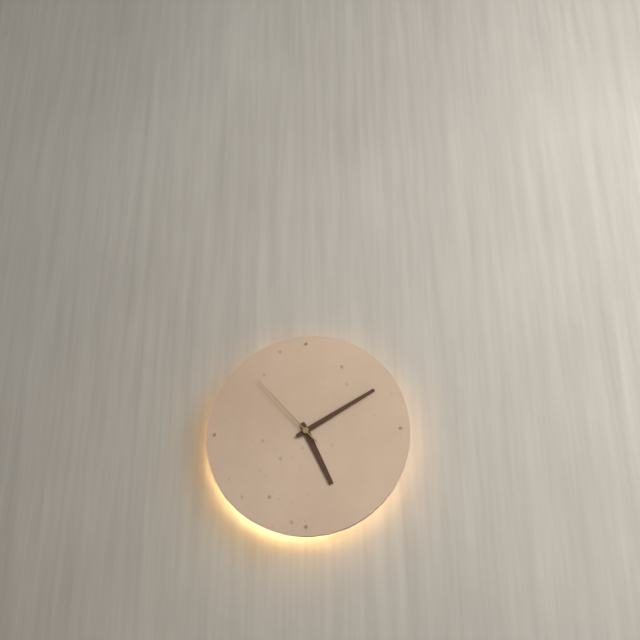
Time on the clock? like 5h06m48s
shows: 5h10m53s
